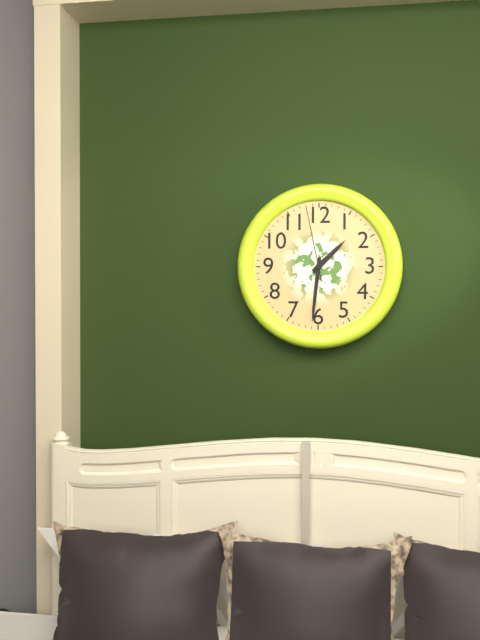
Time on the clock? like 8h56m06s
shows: 1h31m58s
